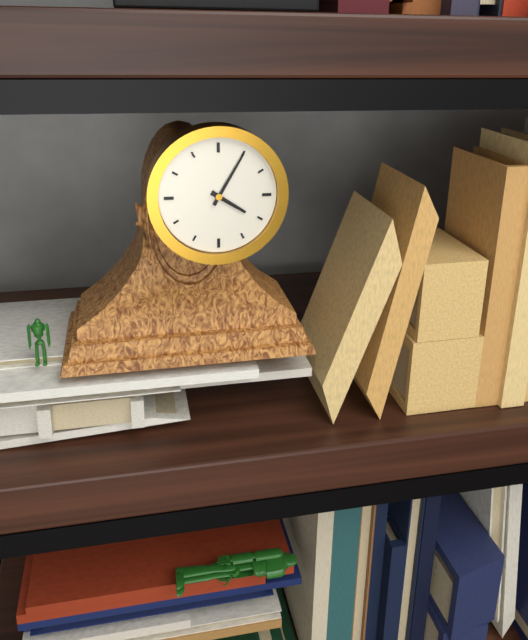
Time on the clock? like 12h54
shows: 4h05
